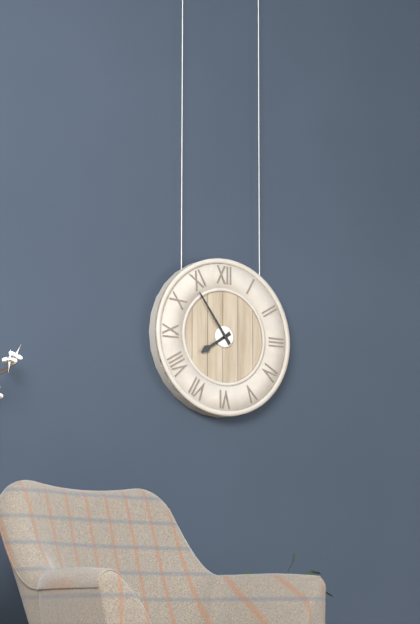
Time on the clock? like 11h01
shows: 7h54
